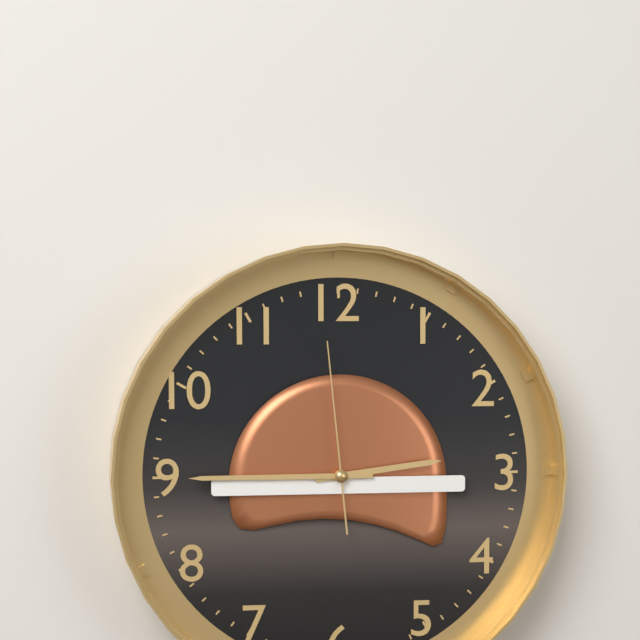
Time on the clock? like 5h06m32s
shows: 2h45m59s
